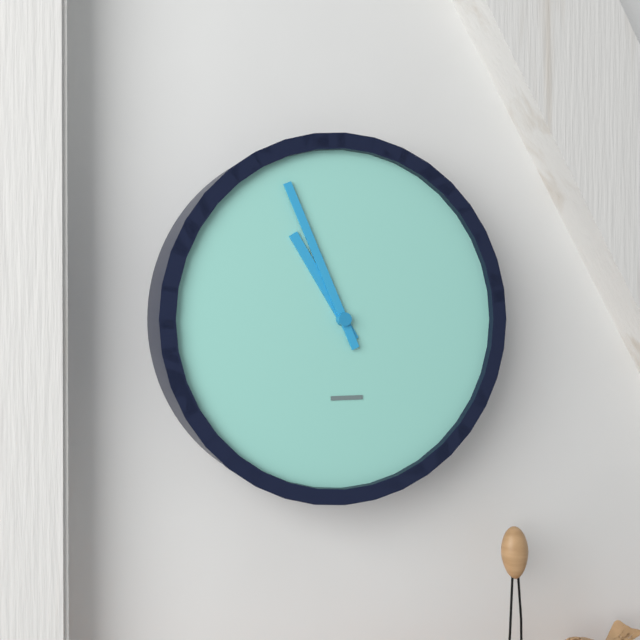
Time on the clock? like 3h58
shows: 10h56
